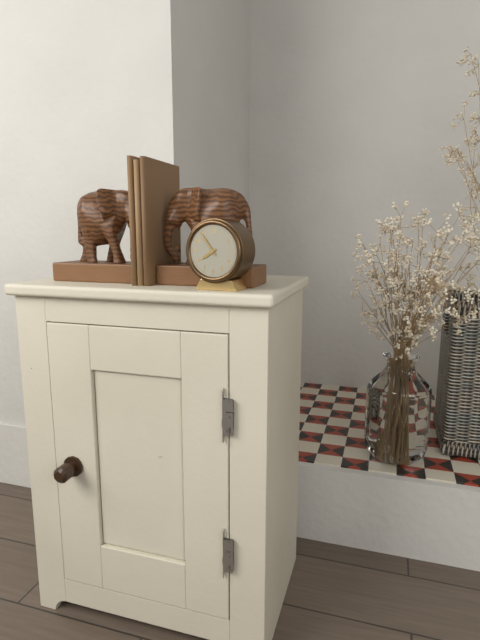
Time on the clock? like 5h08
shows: 7h54
